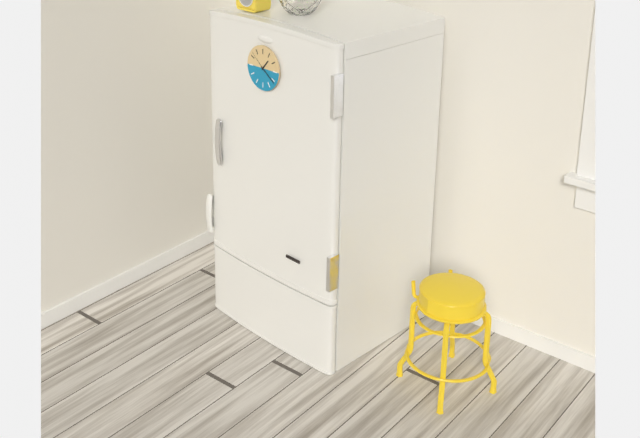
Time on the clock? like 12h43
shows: 1h21
